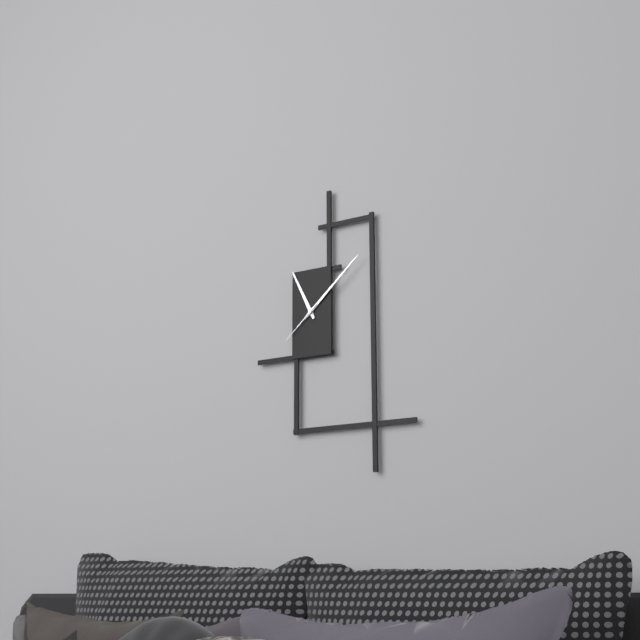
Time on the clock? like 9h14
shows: 11h08
